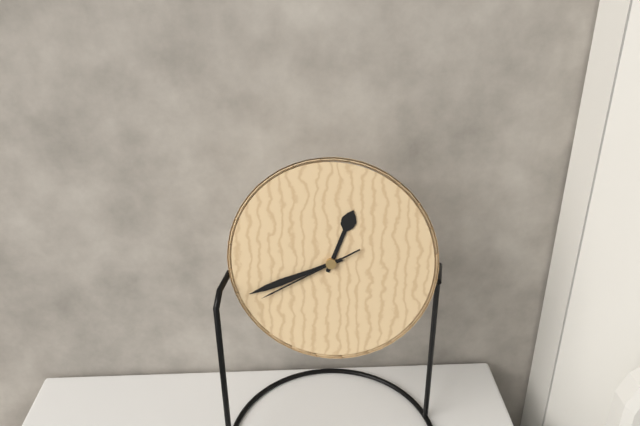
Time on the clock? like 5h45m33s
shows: 12h41m40s
